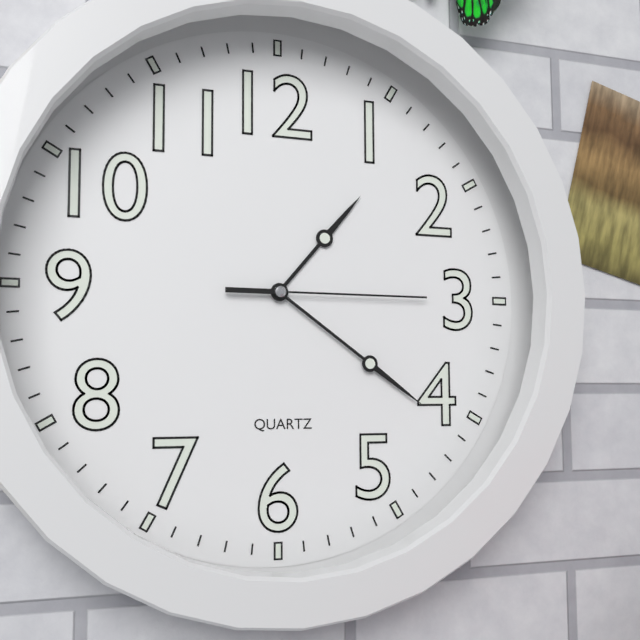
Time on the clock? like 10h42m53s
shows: 1h21m15s
